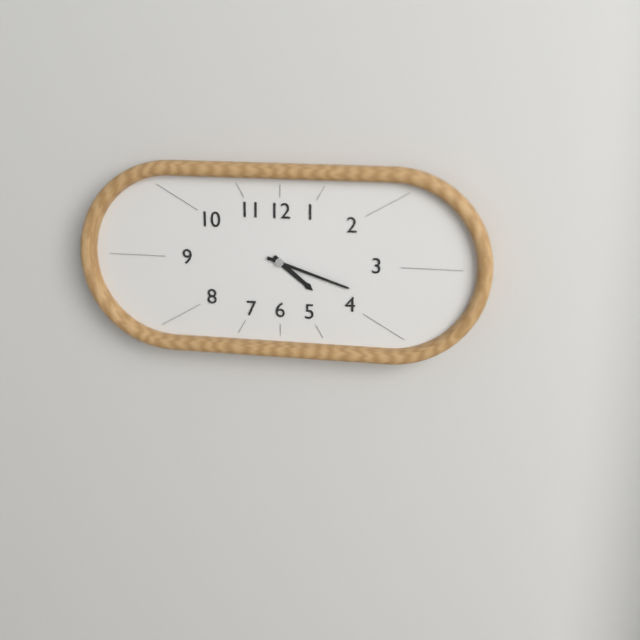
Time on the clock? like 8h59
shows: 4h18
